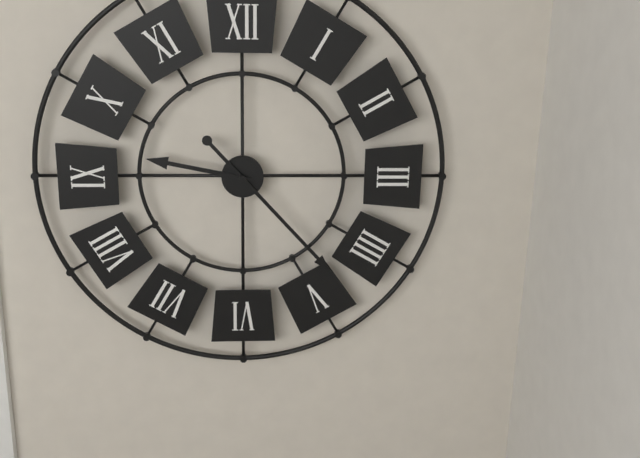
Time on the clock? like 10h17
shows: 9h23
